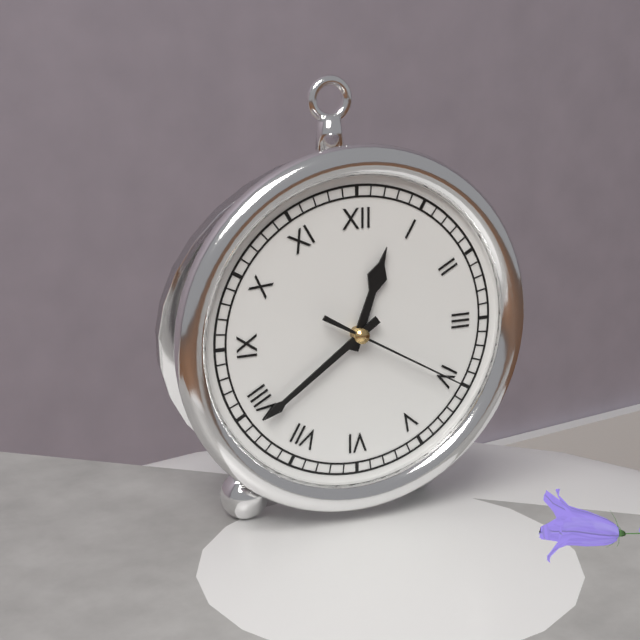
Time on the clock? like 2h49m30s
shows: 12h39m20s
